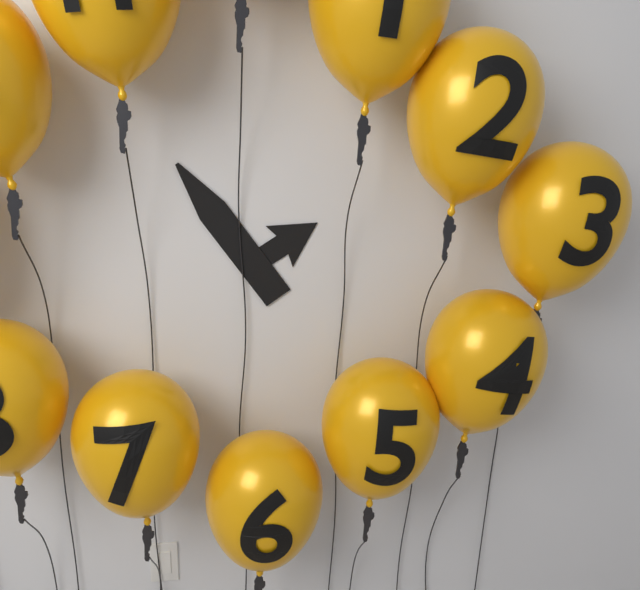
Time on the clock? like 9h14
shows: 1h54
